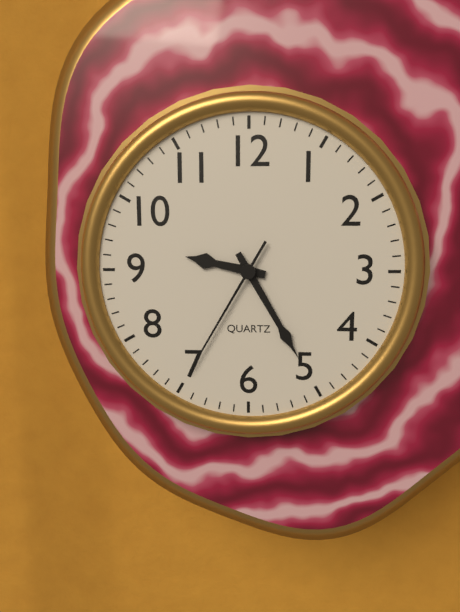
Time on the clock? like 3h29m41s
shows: 9h25m35s
